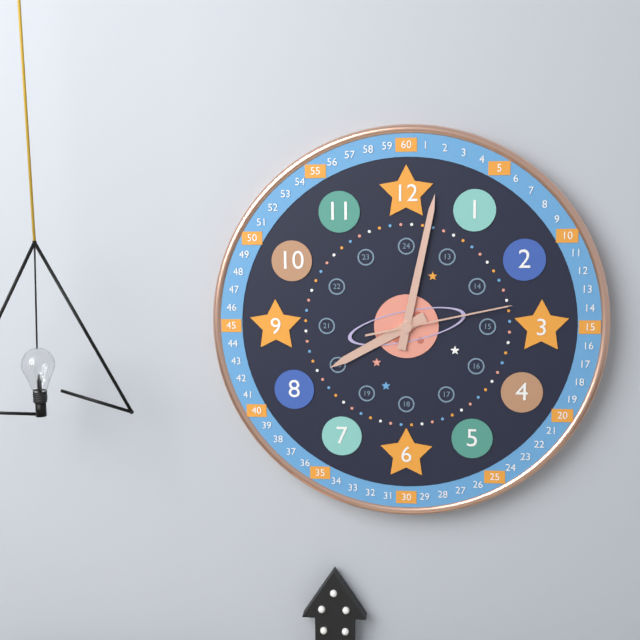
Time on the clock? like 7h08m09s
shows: 8h02m13s
